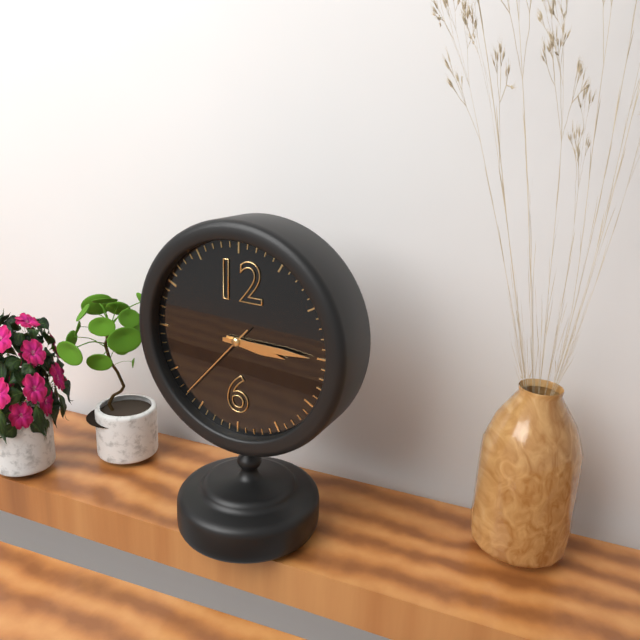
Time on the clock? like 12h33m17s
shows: 3h15m37s
